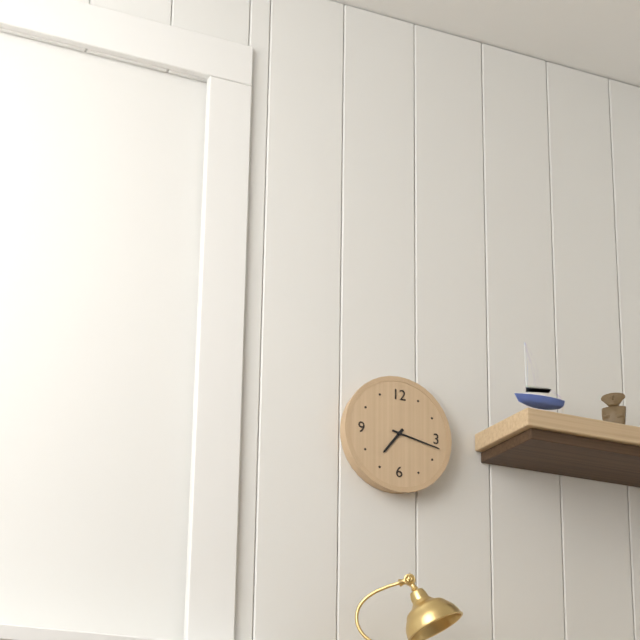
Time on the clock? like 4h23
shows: 7h17
